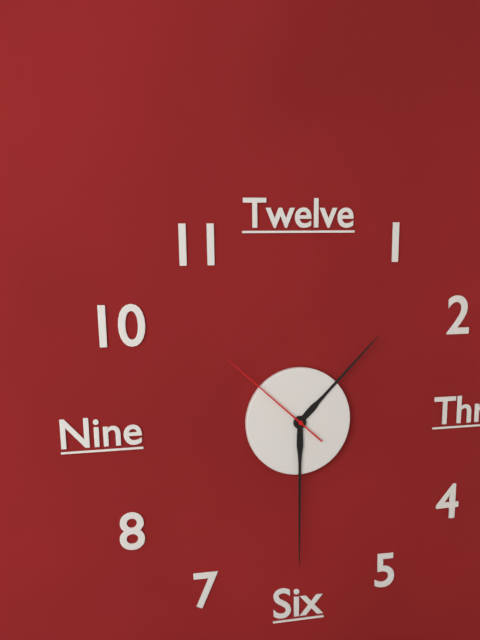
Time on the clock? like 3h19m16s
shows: 1h30m52s
